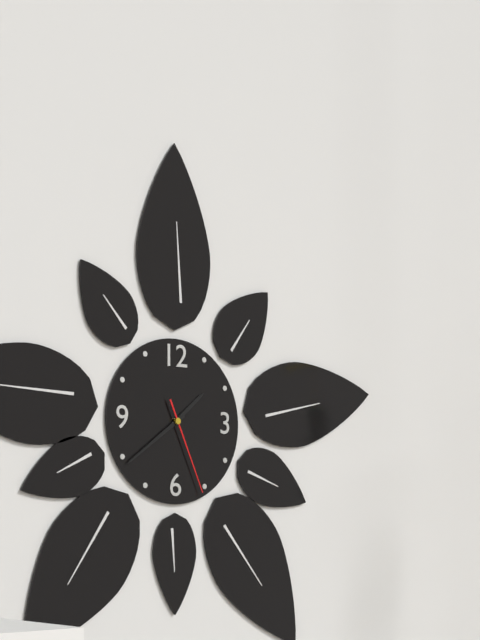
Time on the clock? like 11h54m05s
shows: 1h39m26s
